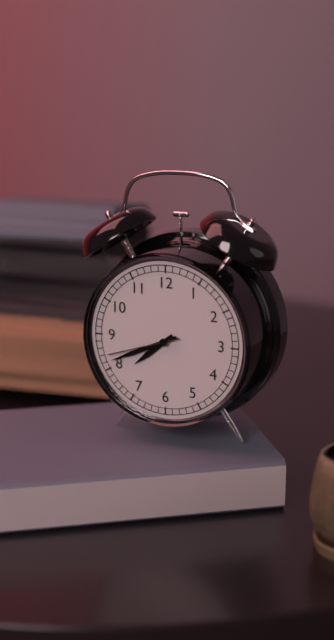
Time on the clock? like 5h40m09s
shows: 7h41m42s
